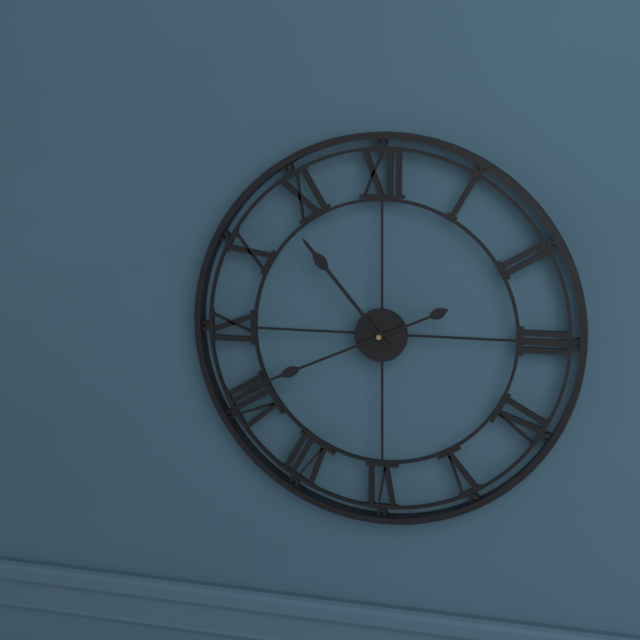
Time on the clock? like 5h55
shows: 10h41
